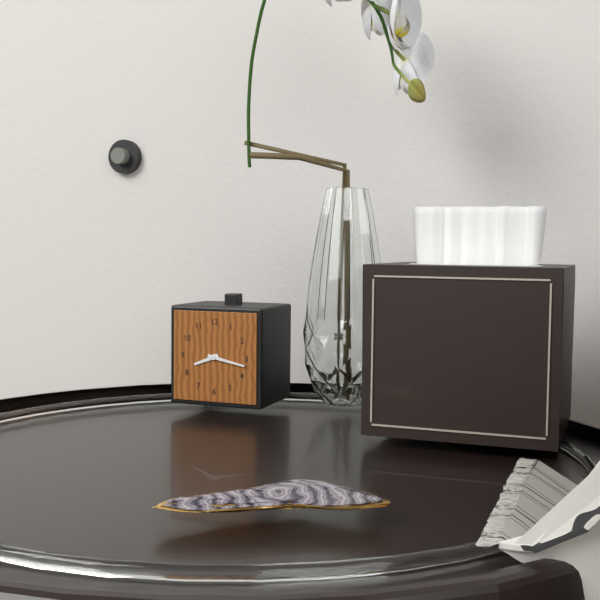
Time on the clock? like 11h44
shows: 8h17
